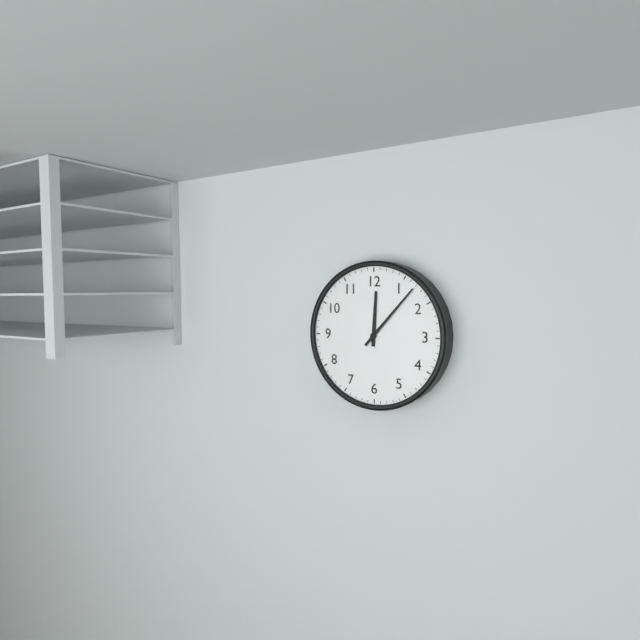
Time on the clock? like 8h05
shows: 12h07
